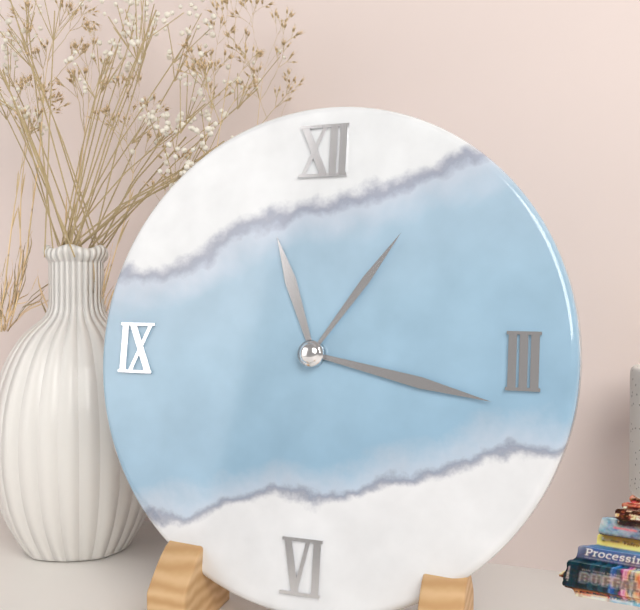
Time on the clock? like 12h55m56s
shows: 11h17m06s
